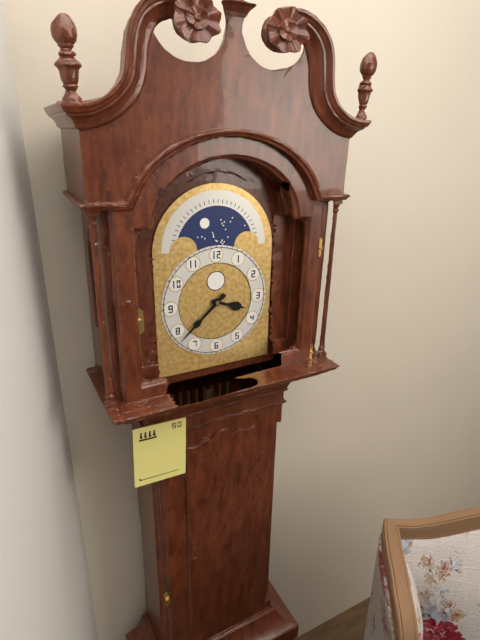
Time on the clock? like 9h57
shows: 3h38
